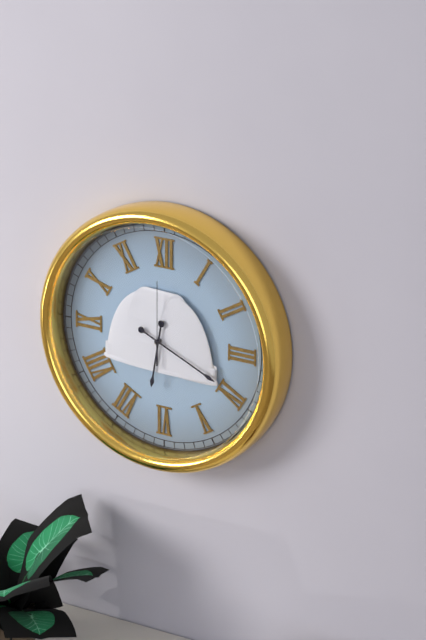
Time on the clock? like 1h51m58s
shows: 6h19m00s
